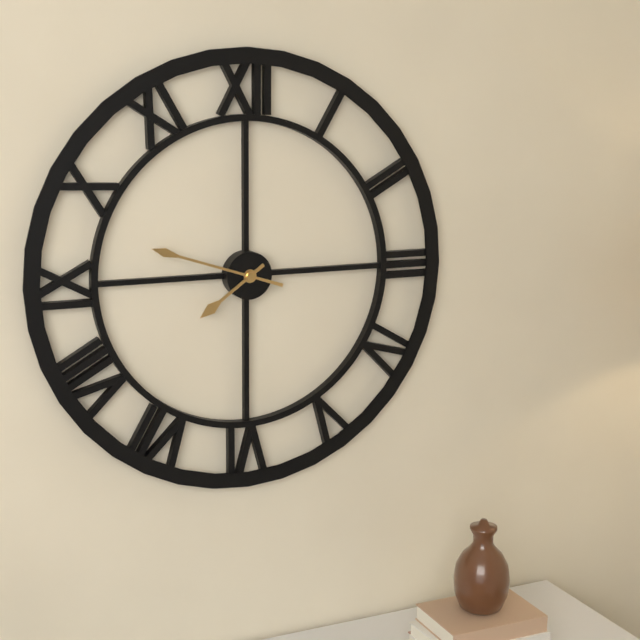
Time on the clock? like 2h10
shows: 7h48
